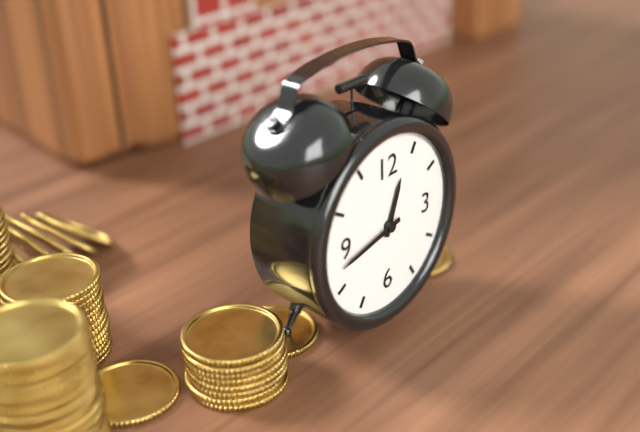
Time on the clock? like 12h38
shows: 12h43
